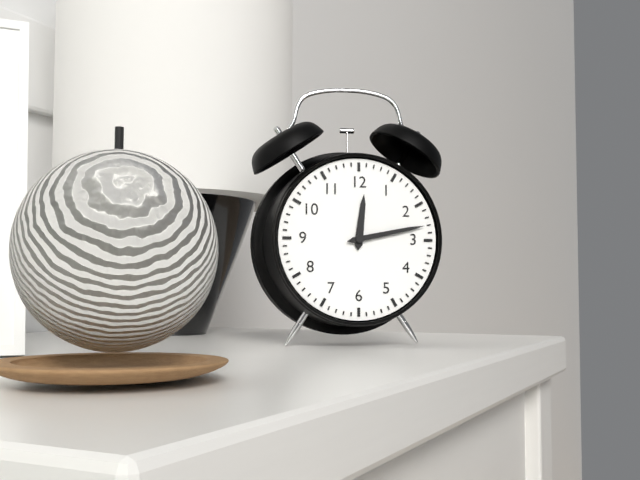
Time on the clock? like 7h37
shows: 12h13
